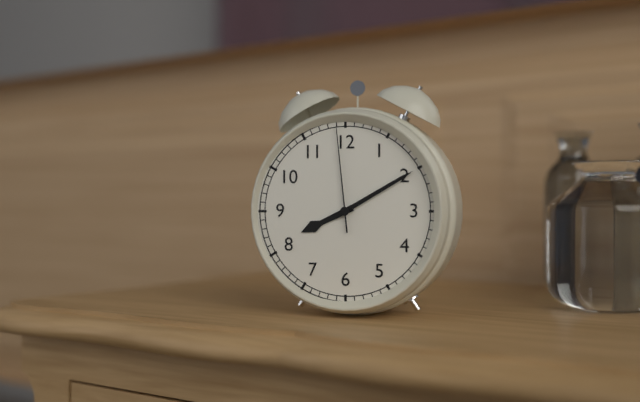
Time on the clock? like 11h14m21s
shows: 8h10m59s
